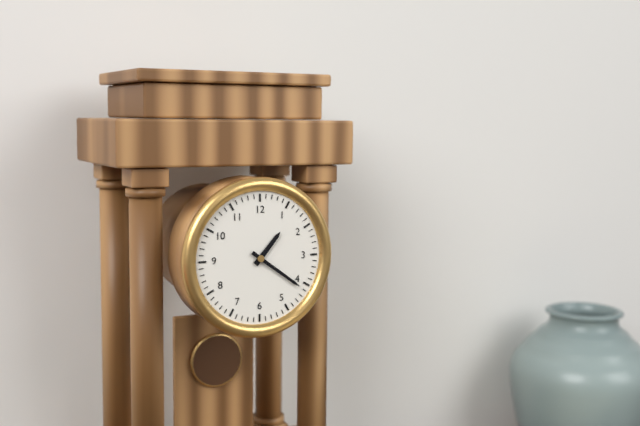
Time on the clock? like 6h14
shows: 1h21
